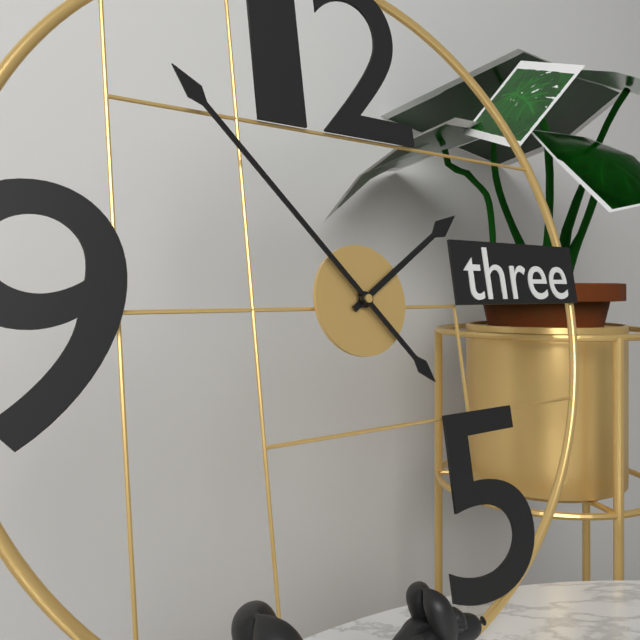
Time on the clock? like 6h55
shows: 1h53
